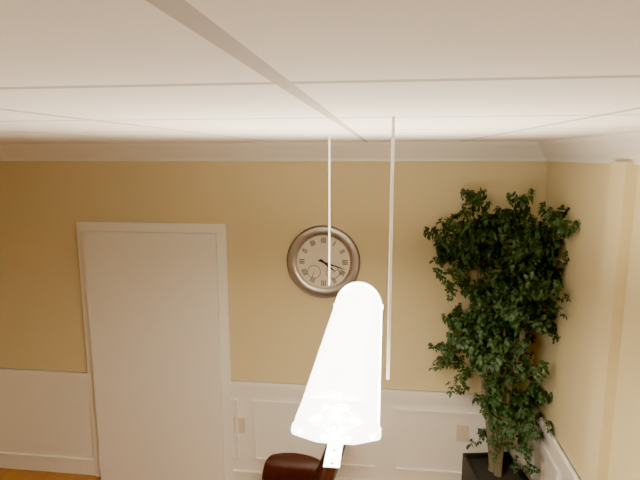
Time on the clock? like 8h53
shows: 4h18
